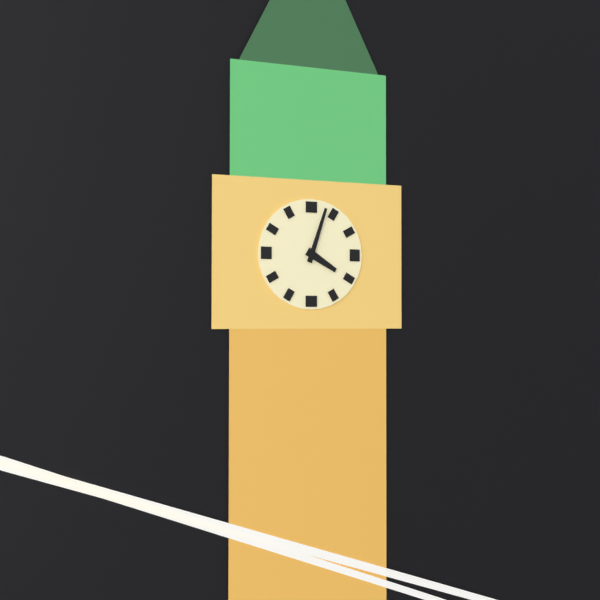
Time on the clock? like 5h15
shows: 4h03
